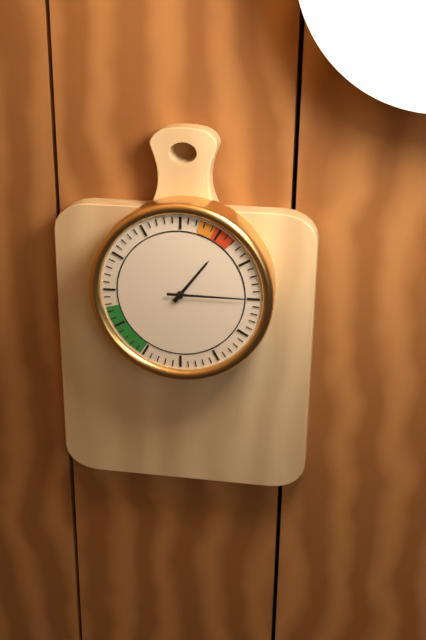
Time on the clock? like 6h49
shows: 1h15
